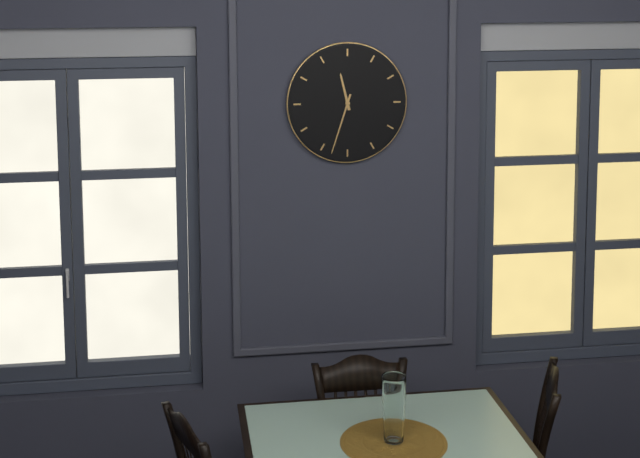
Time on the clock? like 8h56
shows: 11h33
